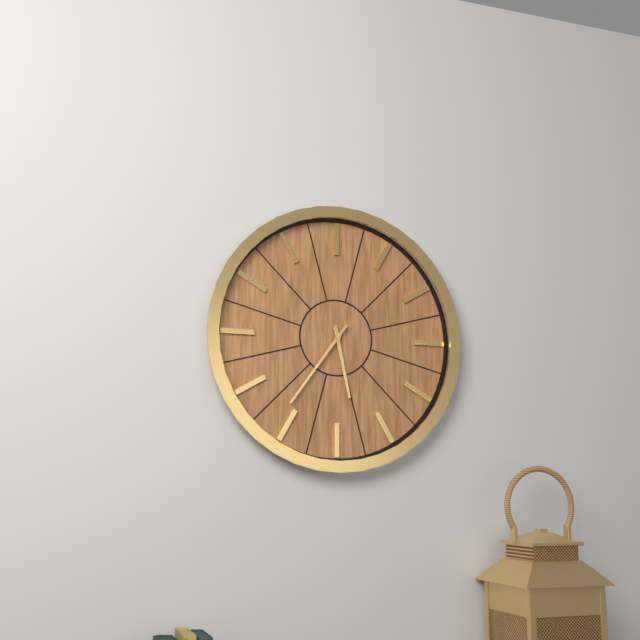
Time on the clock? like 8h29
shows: 5h36
